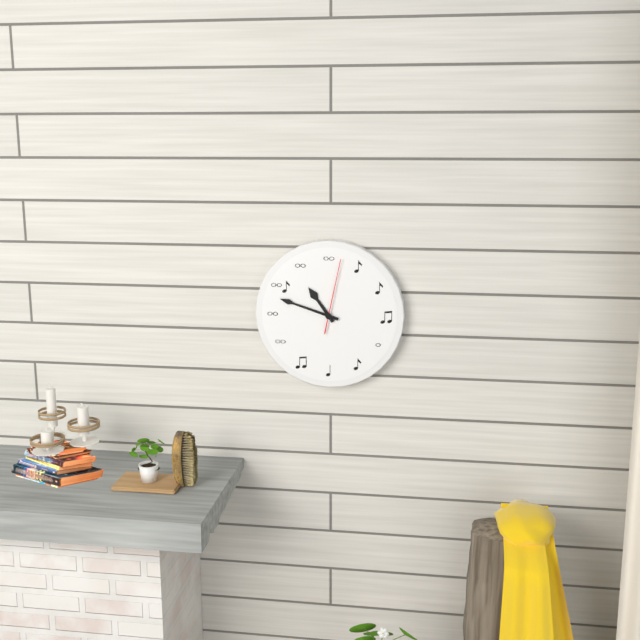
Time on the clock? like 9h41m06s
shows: 10h48m02s
